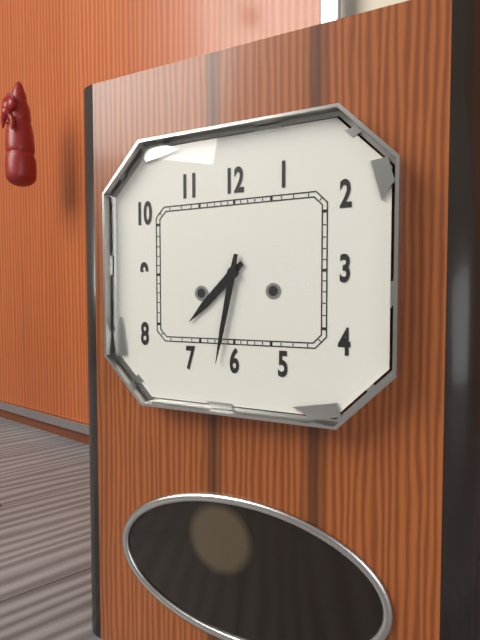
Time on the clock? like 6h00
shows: 7h32
